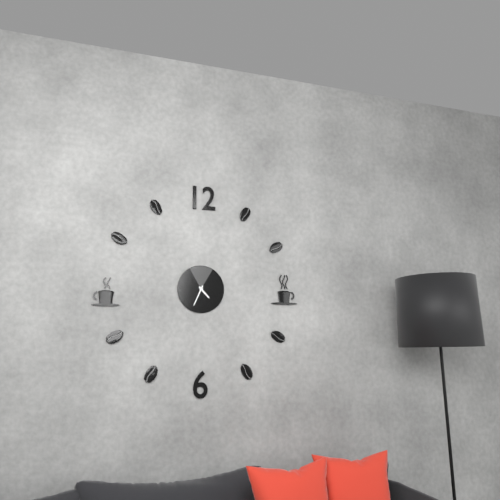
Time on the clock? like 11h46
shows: 4h34
